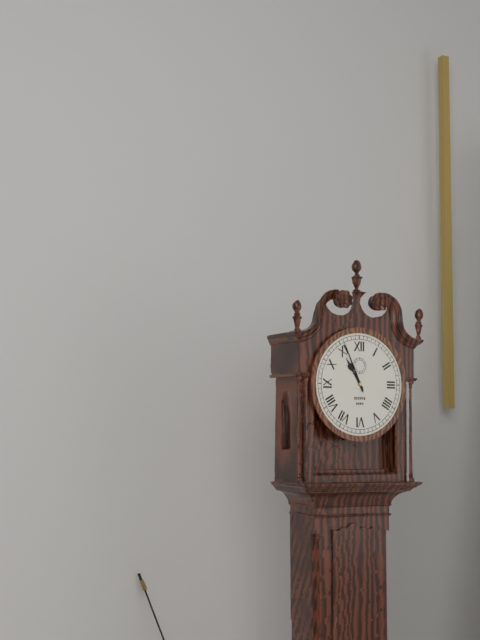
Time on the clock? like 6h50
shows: 10h56
